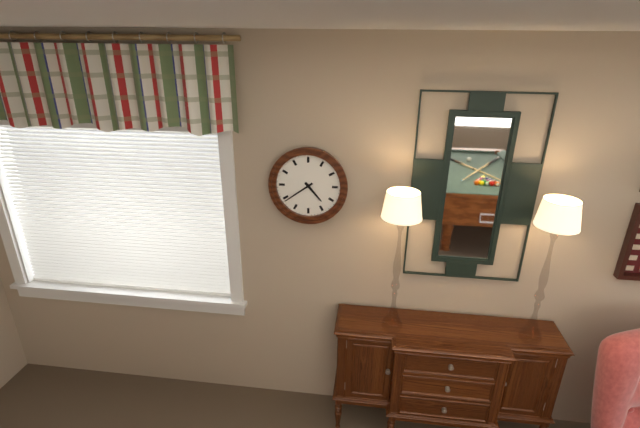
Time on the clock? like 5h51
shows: 4h39
